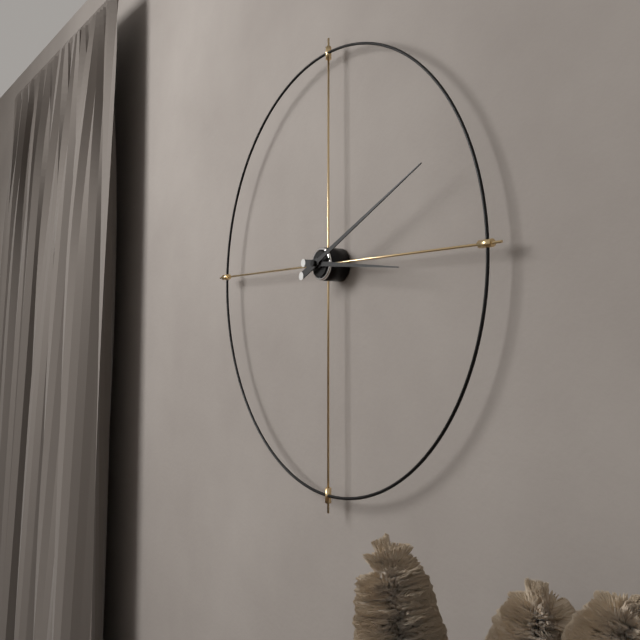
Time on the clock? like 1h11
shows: 3h11
